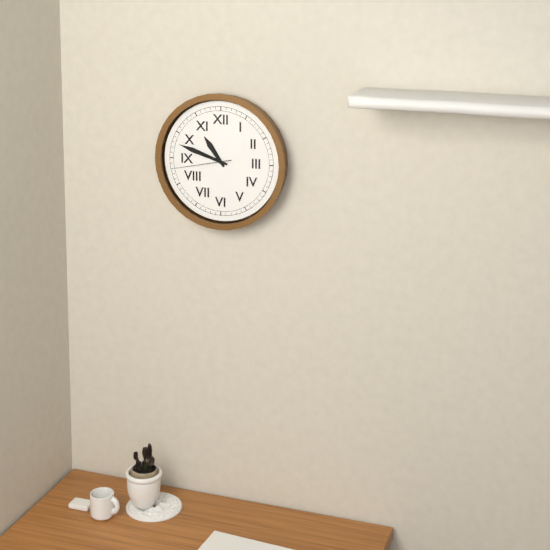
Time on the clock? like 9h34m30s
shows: 10h48m43s
